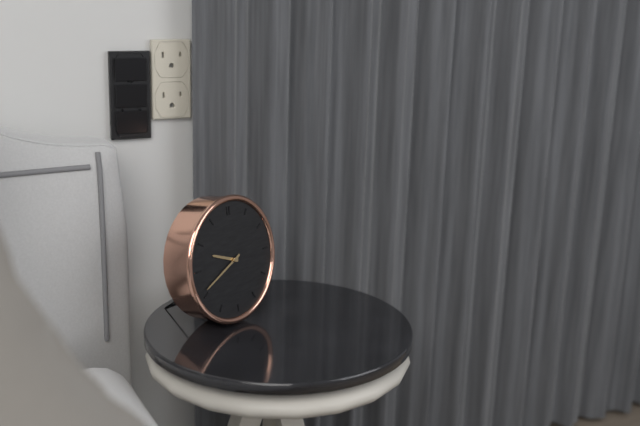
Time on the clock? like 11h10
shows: 9h41
